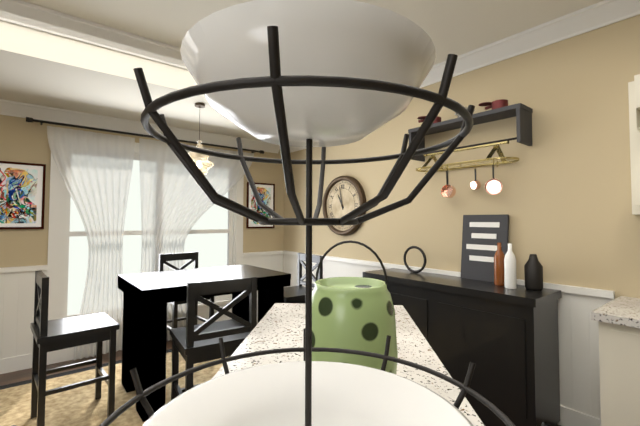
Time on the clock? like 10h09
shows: 10h58
